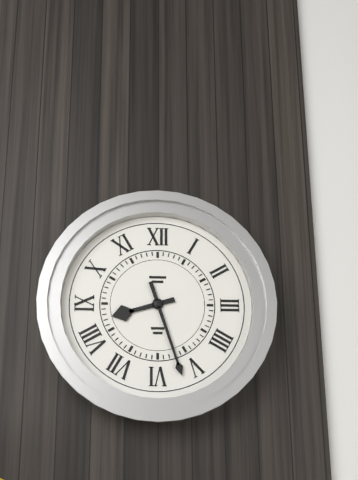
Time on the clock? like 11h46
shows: 8h27
